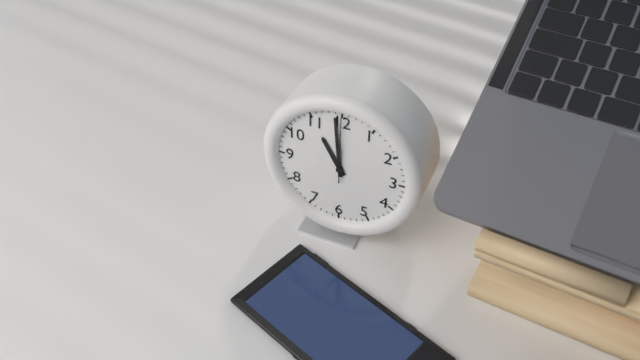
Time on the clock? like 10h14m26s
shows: 10h59m00s
